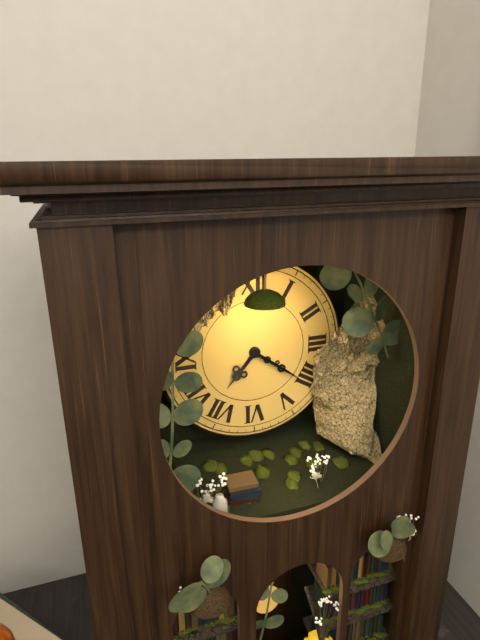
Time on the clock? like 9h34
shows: 7h21
